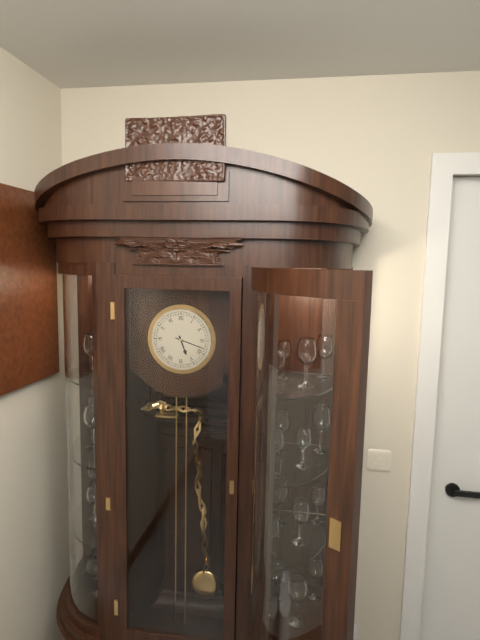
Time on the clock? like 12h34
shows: 5h18
